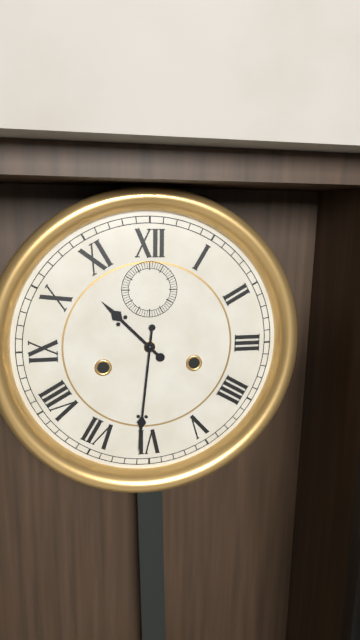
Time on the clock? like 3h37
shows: 10h31
